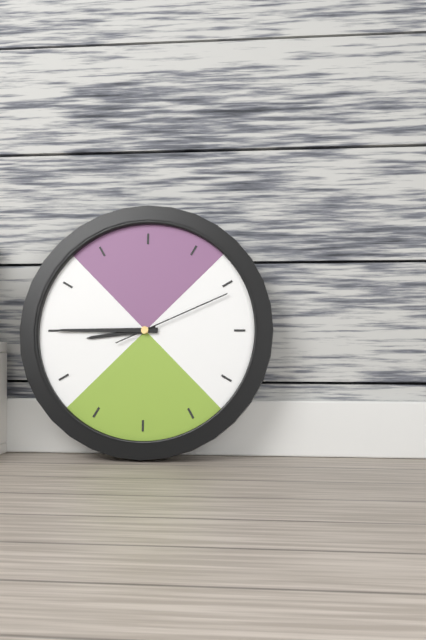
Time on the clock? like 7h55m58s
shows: 8h45m11s
